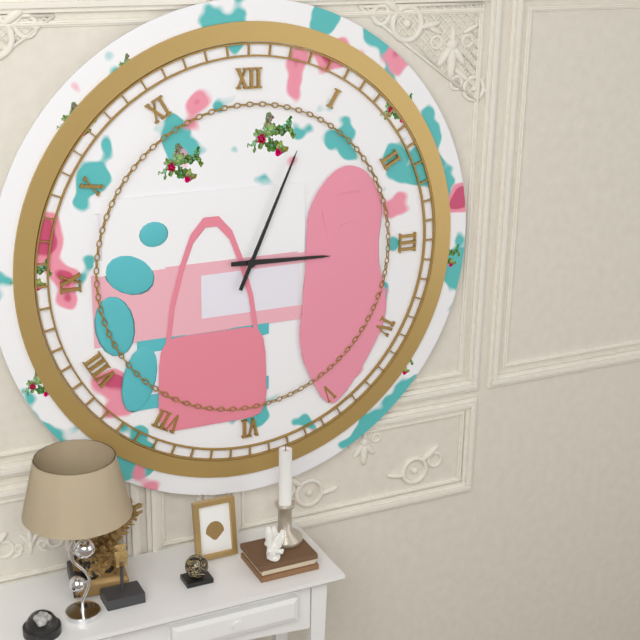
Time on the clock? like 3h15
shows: 3h04
